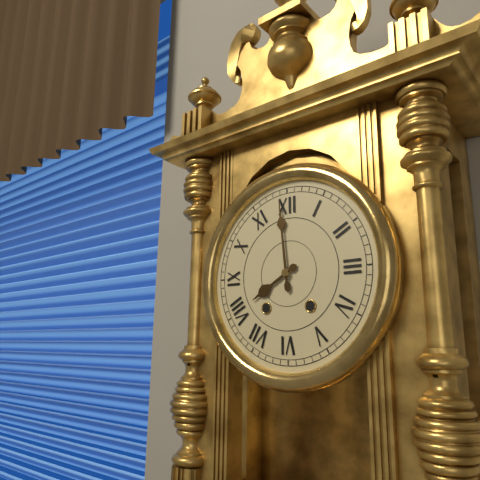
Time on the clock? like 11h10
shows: 7h59
